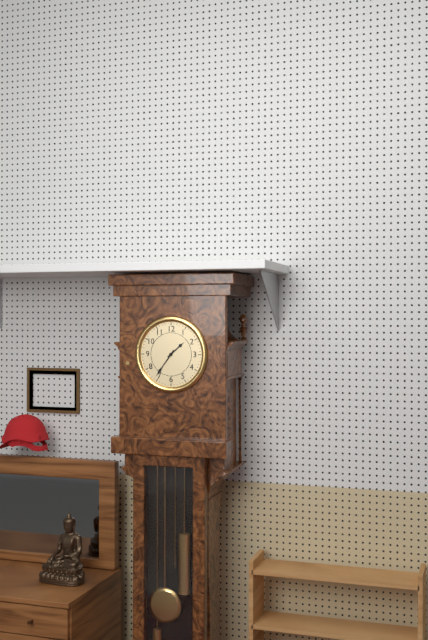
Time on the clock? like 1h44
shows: 1h36
